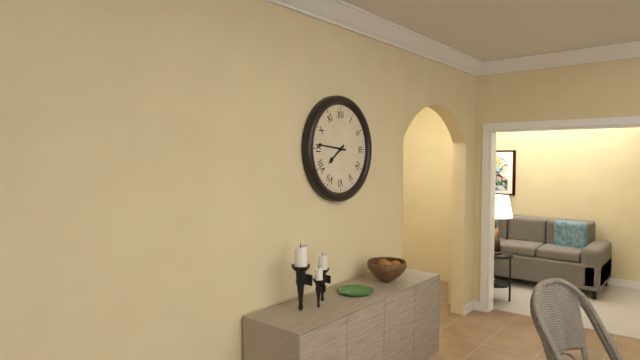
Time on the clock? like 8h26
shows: 7h46
